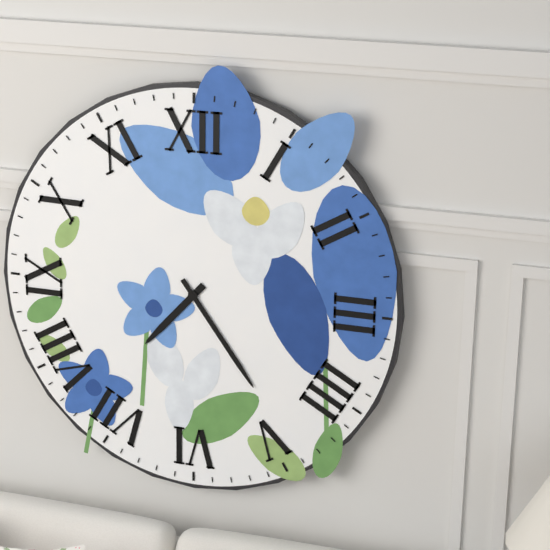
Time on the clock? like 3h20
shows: 7h24
